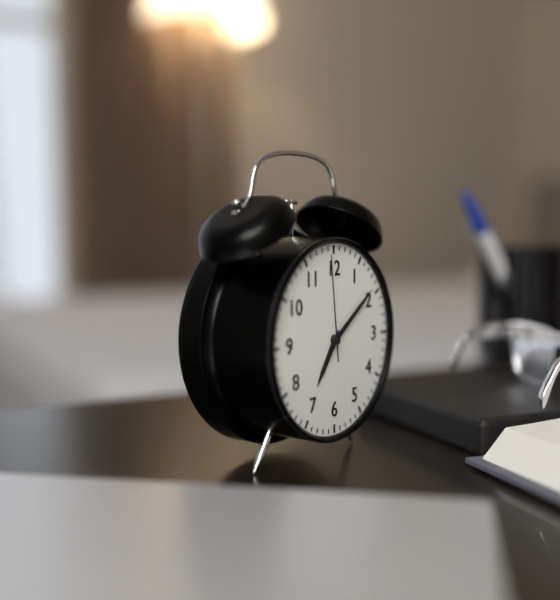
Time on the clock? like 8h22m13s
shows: 7h09m59s
